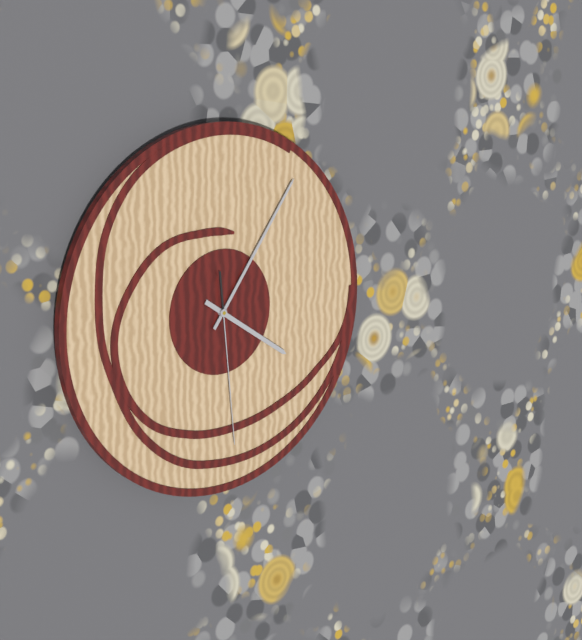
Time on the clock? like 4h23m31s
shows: 4h06m29s
